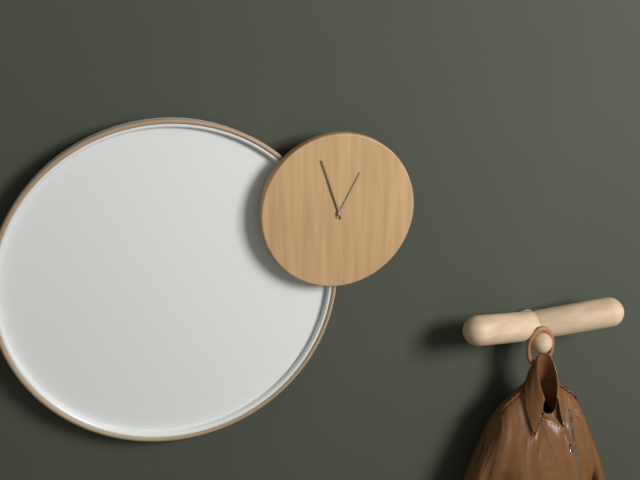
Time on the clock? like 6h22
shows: 12h57
